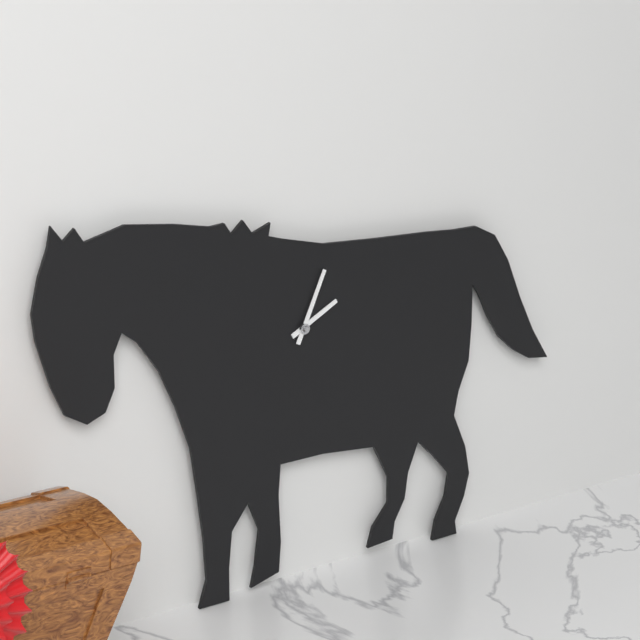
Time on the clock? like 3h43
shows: 2h04
